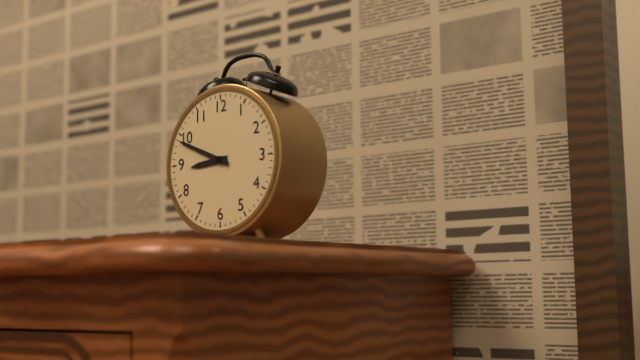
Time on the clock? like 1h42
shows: 8h49
